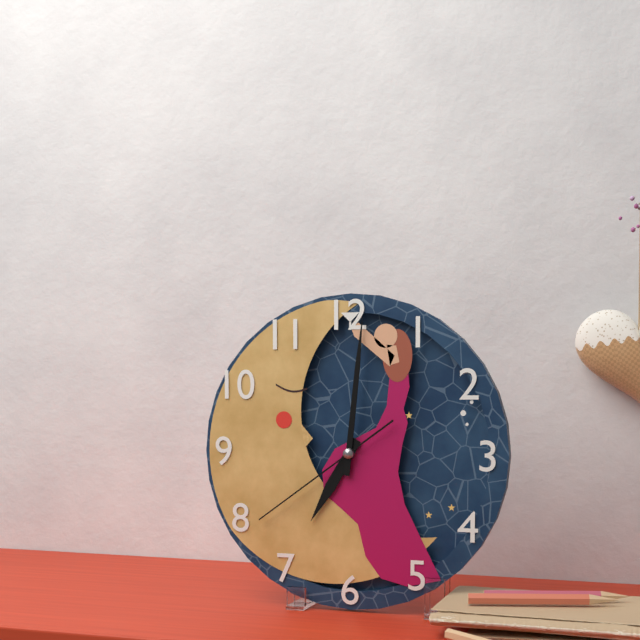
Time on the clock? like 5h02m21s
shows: 7h01m39s
